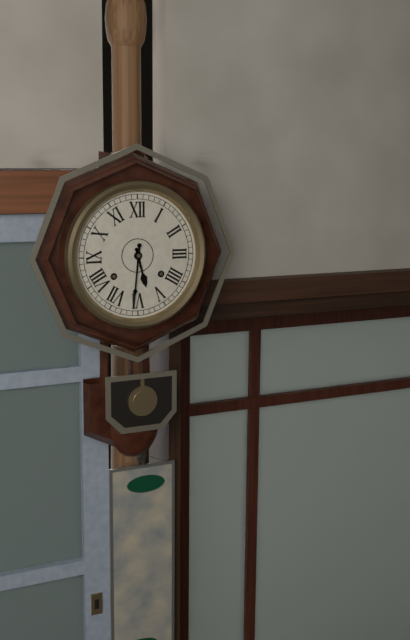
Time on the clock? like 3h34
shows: 5h31
